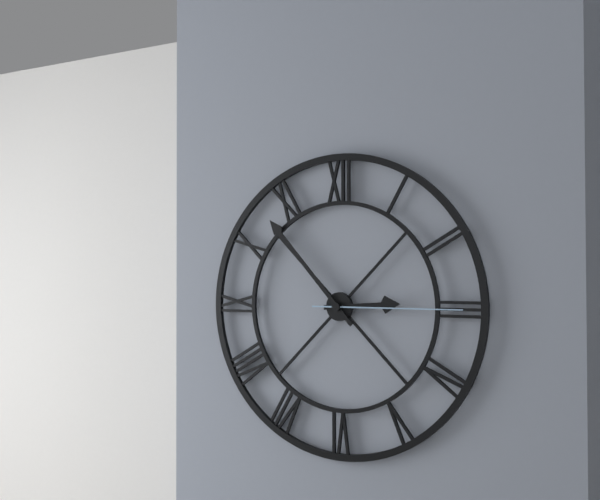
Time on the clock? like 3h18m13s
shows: 2h53m15s
